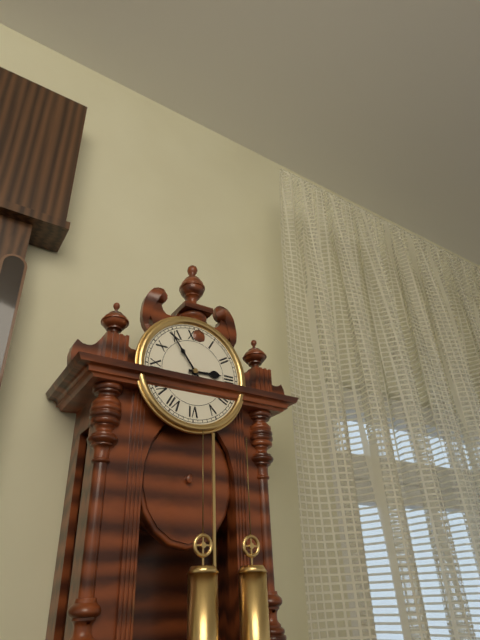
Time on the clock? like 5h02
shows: 2h54
